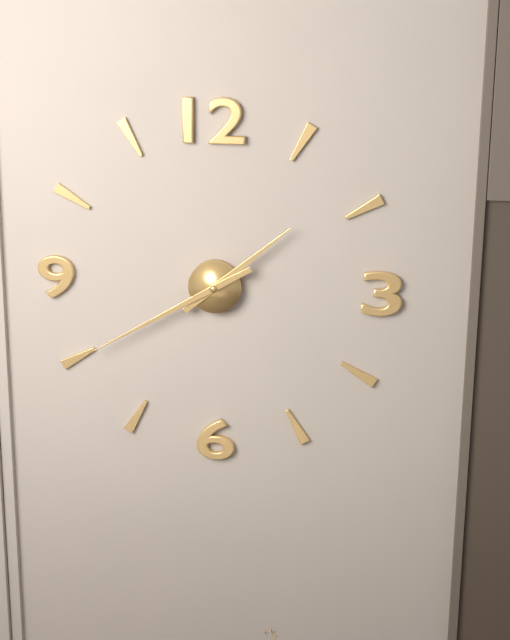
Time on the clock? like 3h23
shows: 1h40
